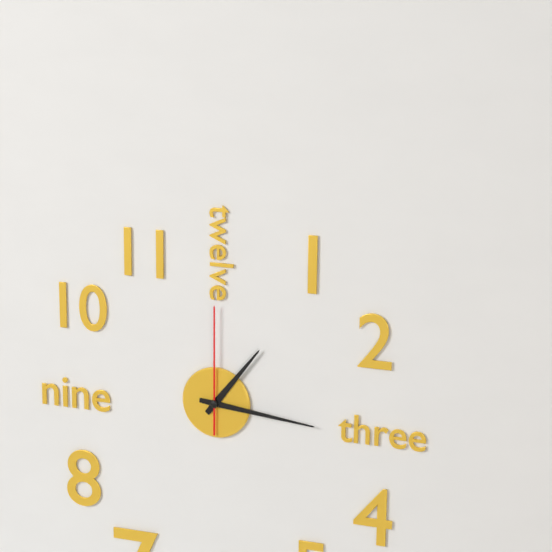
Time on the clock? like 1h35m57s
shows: 1h16m00s
